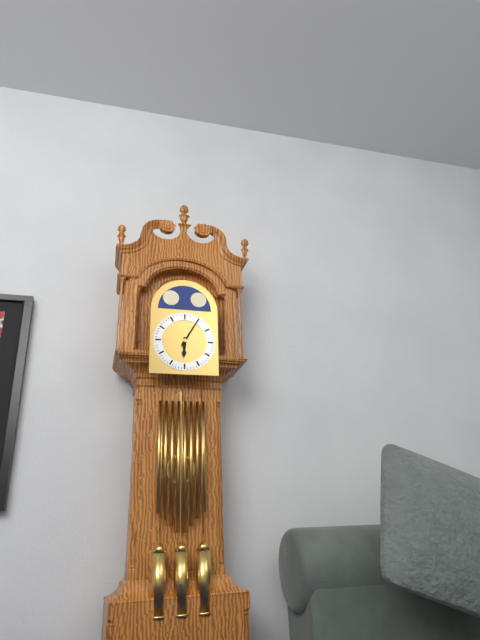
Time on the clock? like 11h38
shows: 6h05
